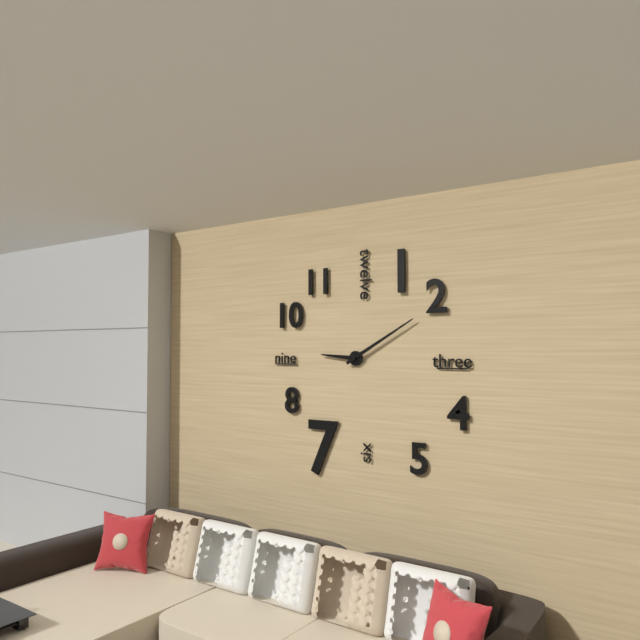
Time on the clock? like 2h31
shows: 9h10
